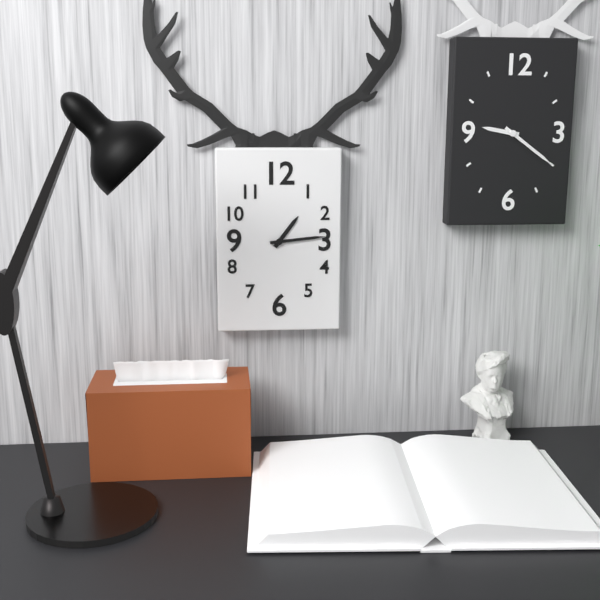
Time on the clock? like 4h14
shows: 1h14
